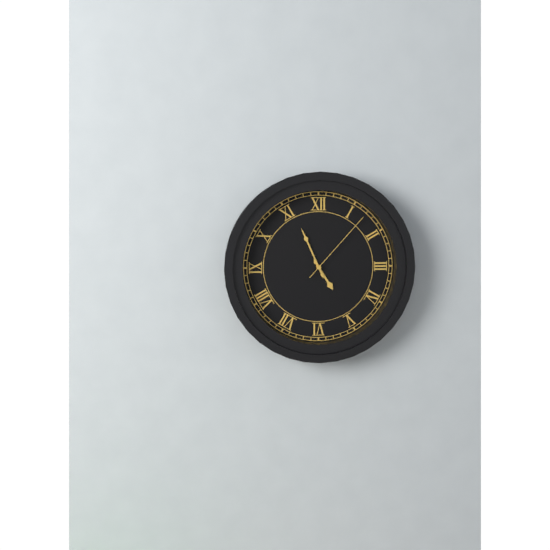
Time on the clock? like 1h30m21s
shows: 4h56m07s
